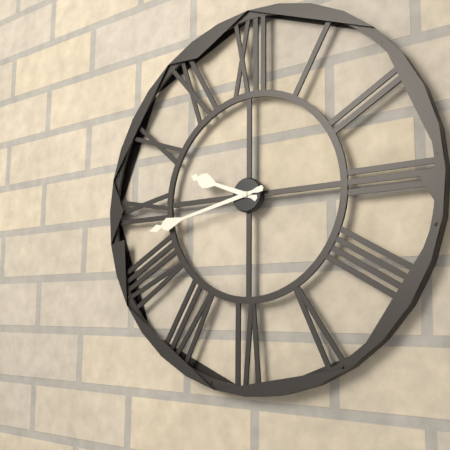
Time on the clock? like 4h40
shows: 9h43
